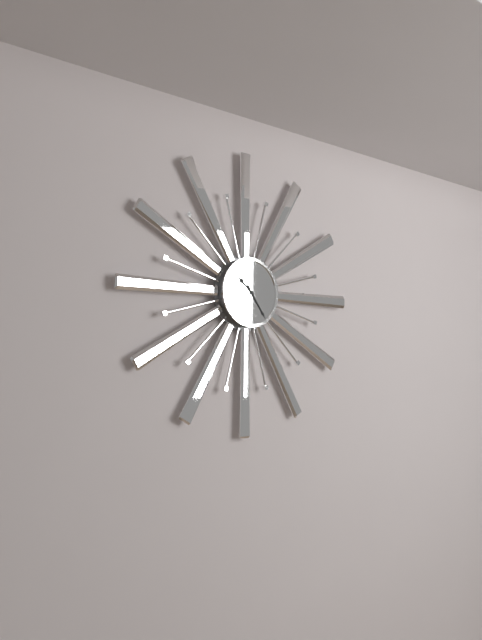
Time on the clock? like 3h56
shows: 10h24
